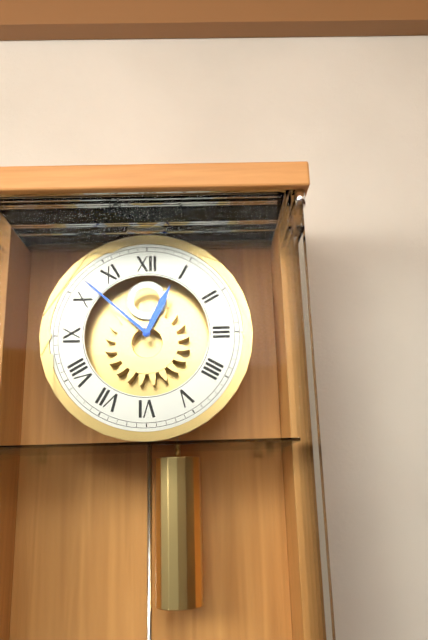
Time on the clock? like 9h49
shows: 12h52
